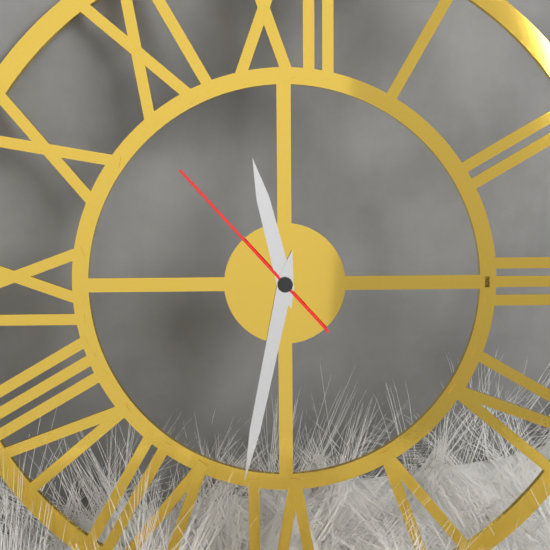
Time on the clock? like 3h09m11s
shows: 11h32m53s
